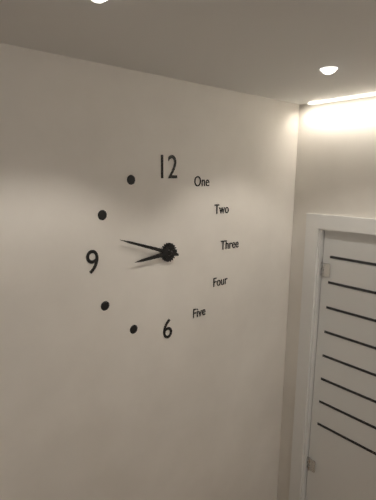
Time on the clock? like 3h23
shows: 8h48
